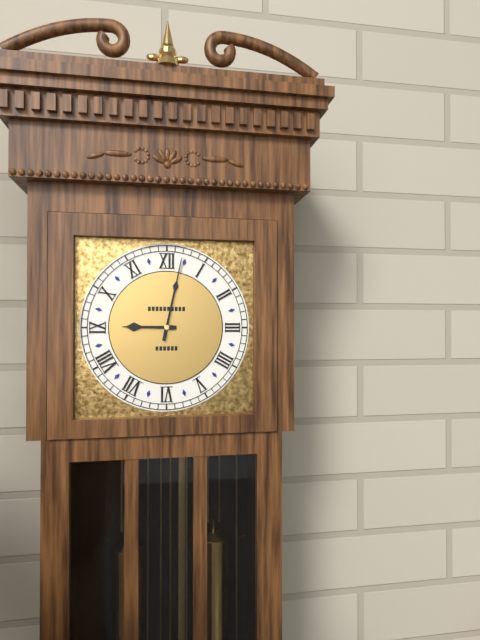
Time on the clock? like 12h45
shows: 9h02
